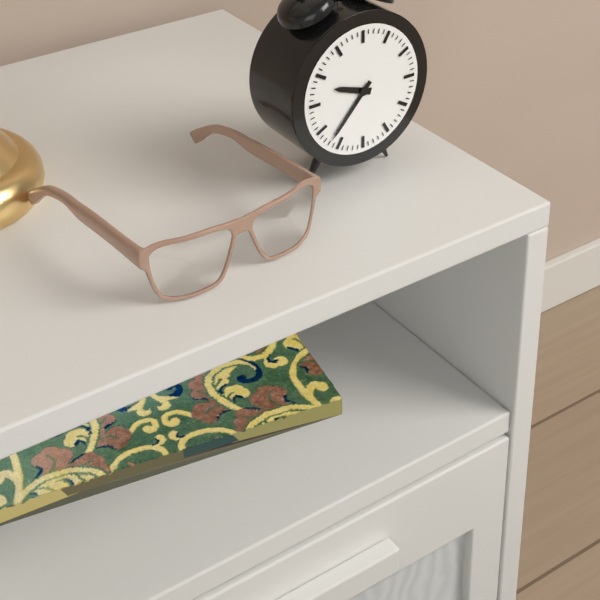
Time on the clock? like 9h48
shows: 9h37
